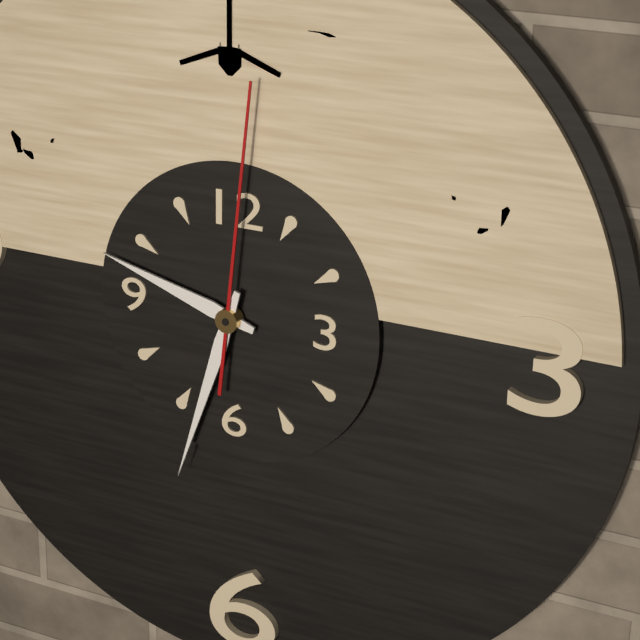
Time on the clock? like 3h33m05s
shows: 9h33m01s
